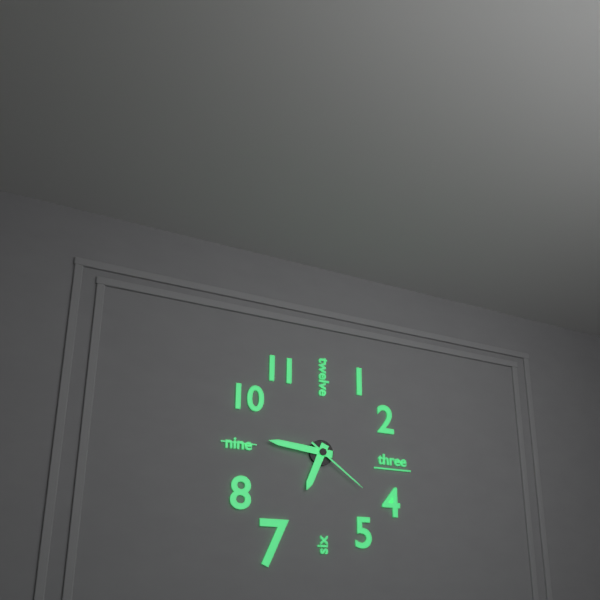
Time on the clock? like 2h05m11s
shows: 6h46m21s
